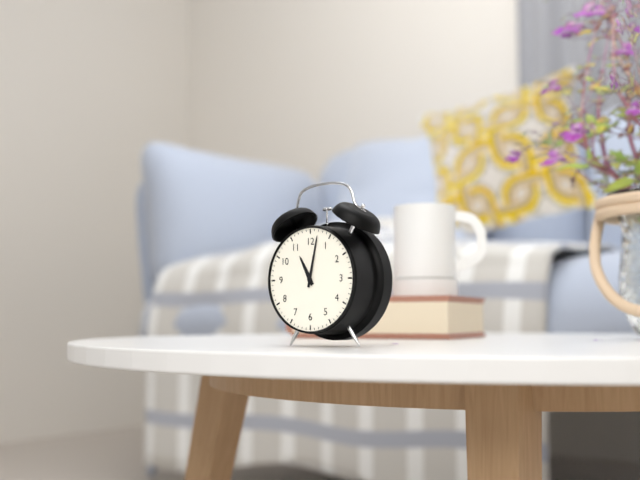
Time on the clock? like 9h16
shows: 11h02
